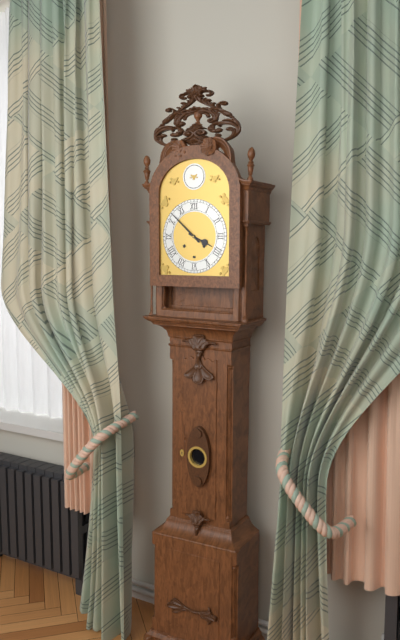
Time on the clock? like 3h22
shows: 3h52
